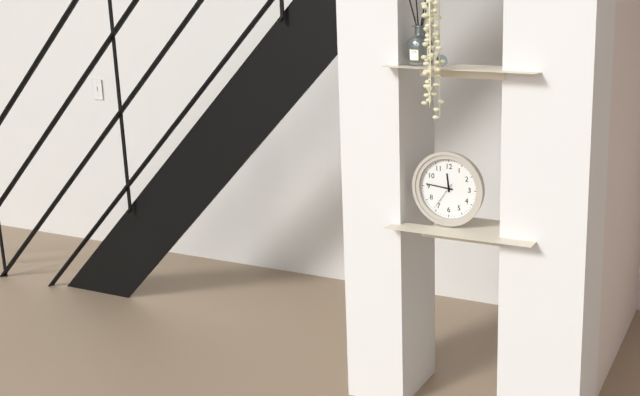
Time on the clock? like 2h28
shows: 11h46
